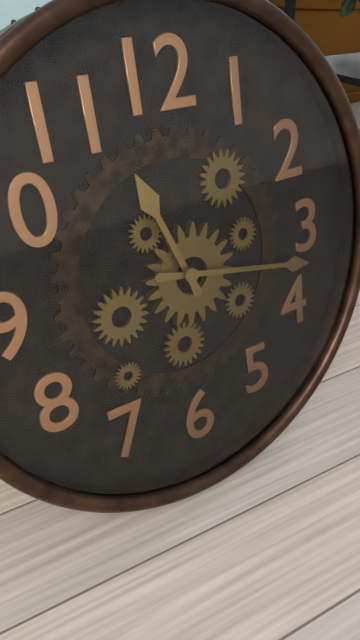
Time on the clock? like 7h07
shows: 11h17
